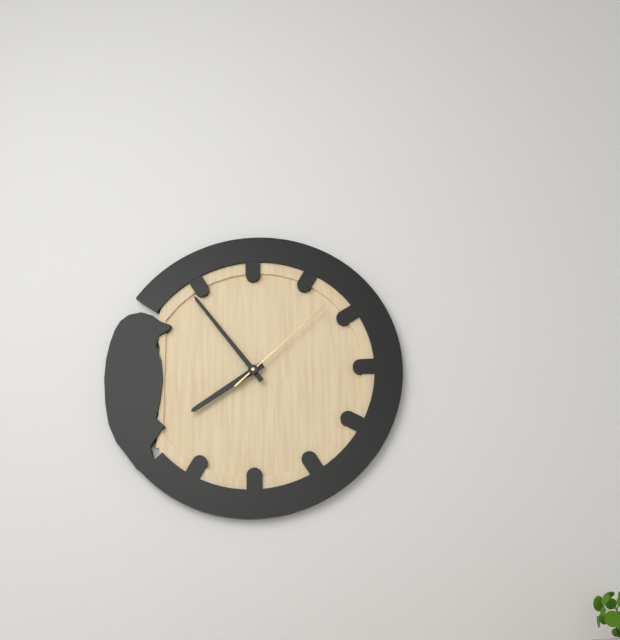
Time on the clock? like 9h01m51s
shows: 7h54m08s
